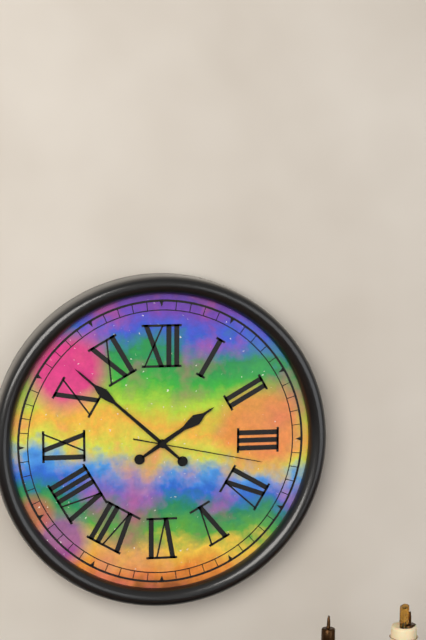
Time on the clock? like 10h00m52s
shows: 1h52m17s
